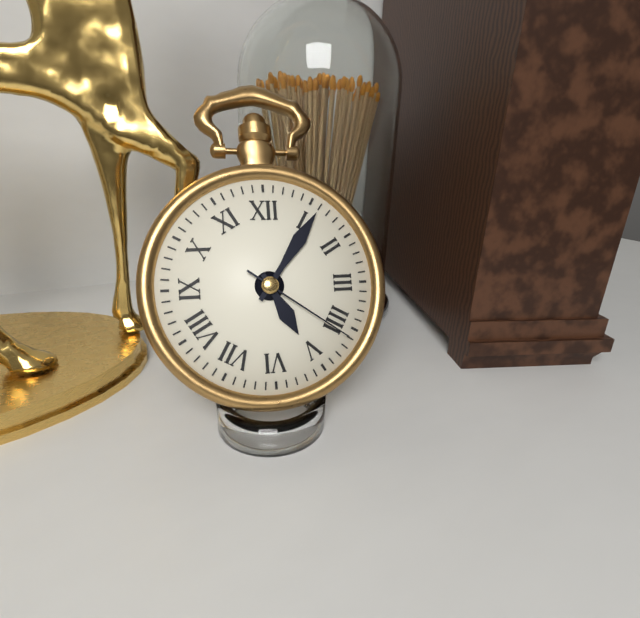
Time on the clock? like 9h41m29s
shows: 5h06m21s
